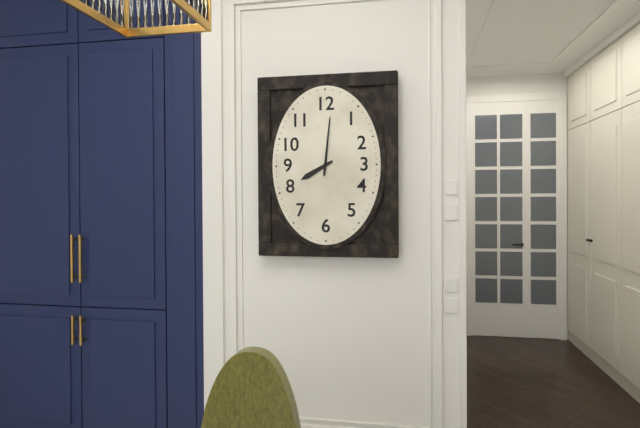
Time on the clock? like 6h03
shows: 8h01
